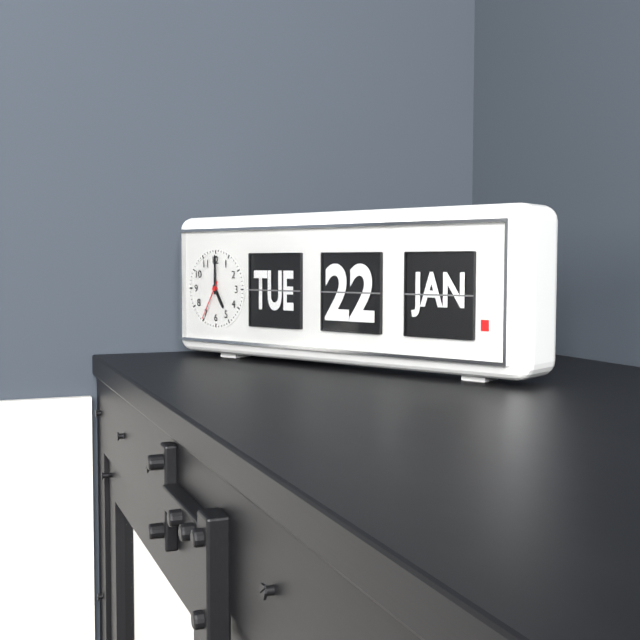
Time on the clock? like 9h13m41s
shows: 5h00m35s
